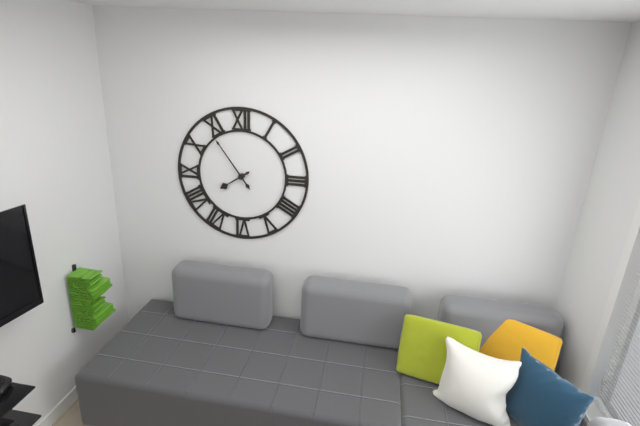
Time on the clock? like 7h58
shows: 7h54
